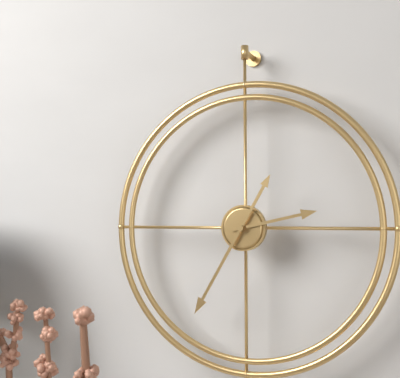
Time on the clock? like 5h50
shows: 2h35
